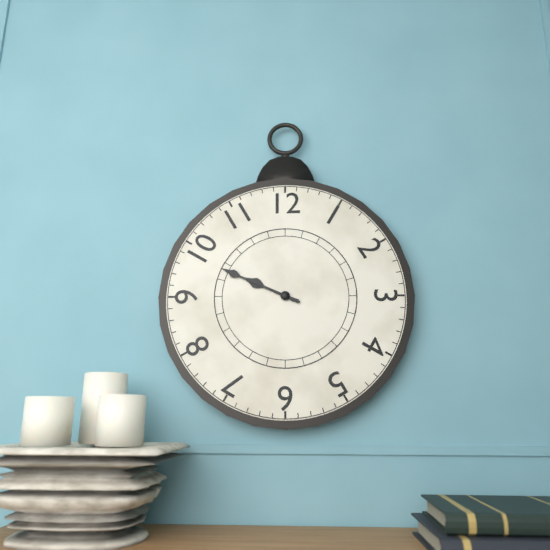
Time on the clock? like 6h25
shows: 9h49
